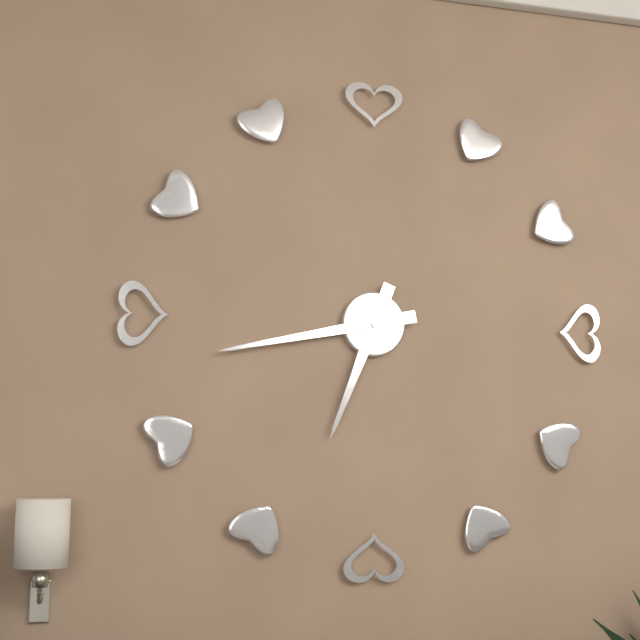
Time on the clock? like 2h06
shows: 6h43
